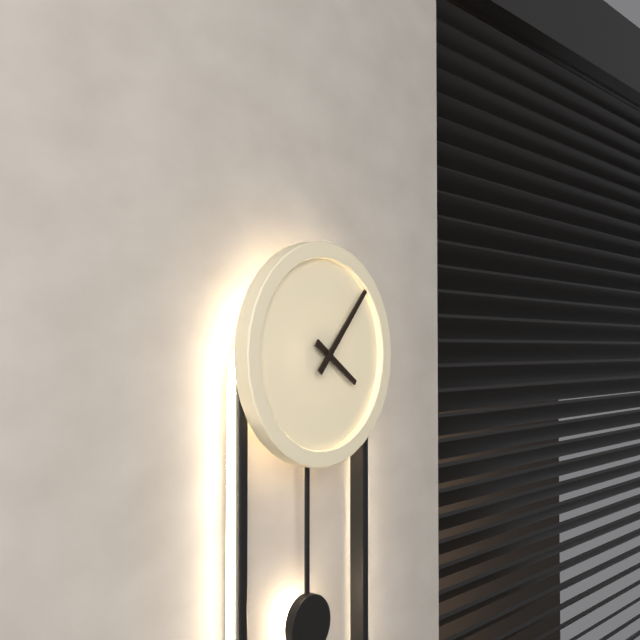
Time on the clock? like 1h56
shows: 4h07
